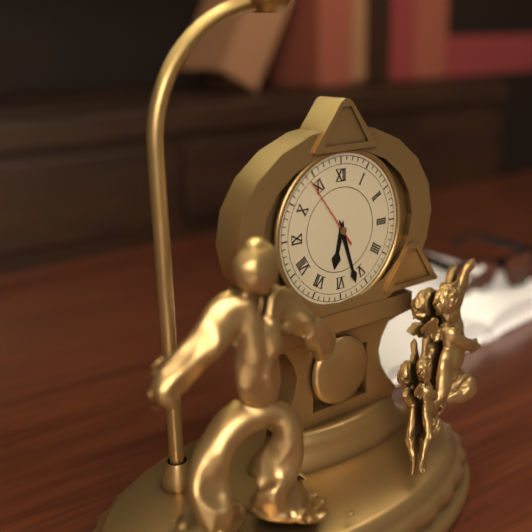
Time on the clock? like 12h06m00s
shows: 6h27m54s
